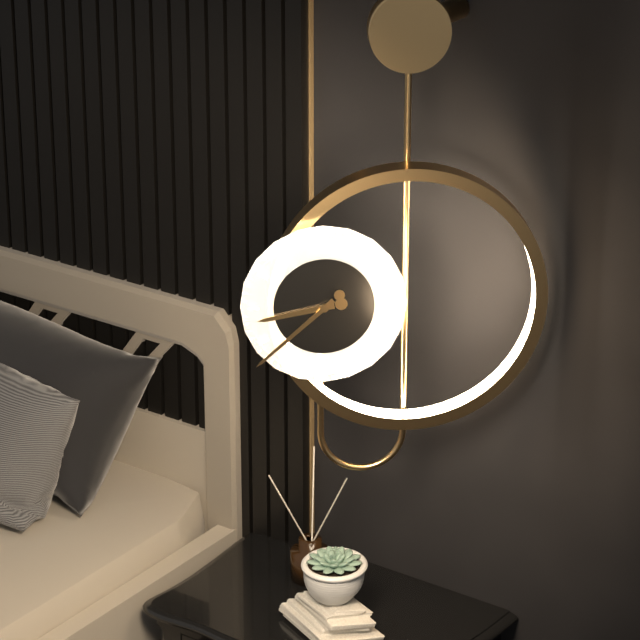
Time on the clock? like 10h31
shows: 8h38
